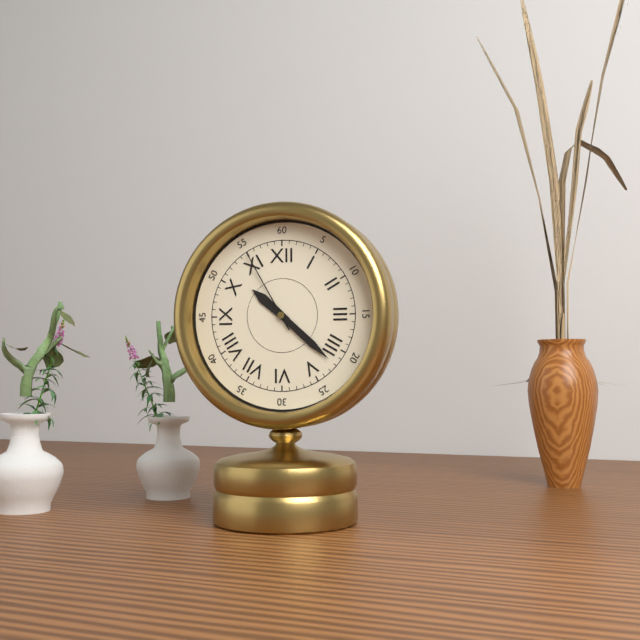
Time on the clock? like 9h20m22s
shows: 10h22m55s
